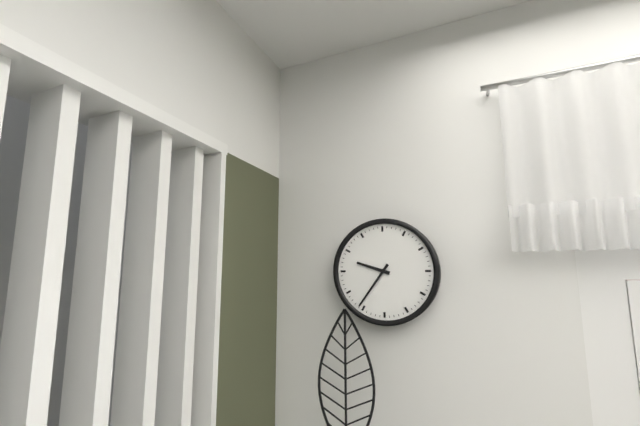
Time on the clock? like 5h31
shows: 9h36
